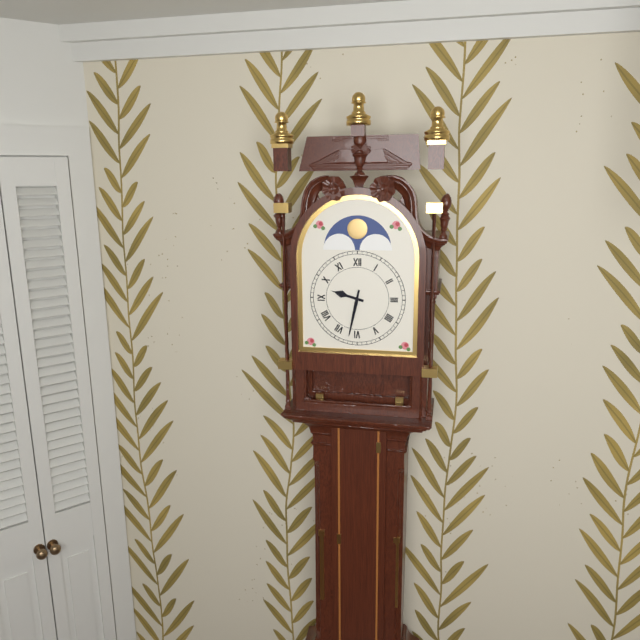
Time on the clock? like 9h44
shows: 9h32
